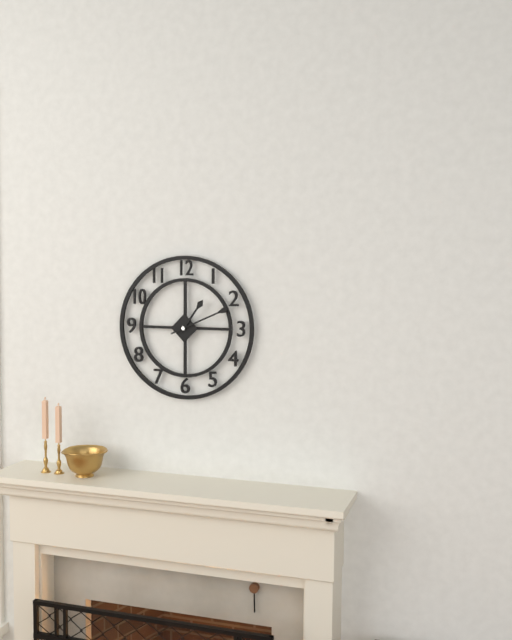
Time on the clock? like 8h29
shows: 1h11
